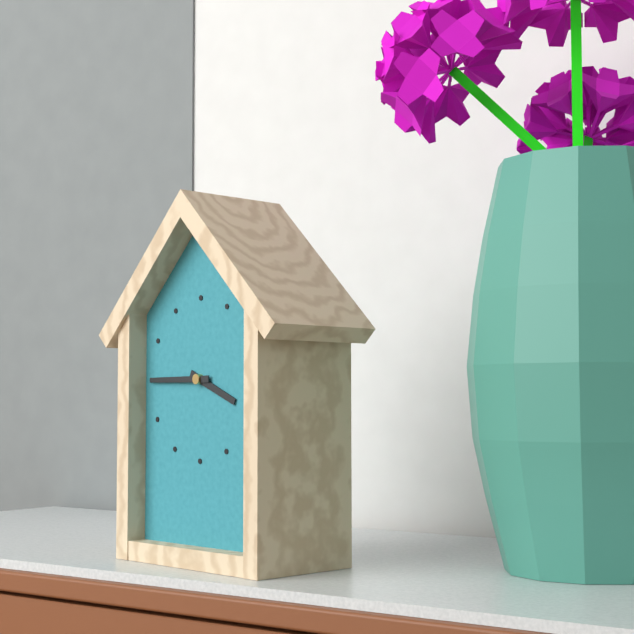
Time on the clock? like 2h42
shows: 3h45
